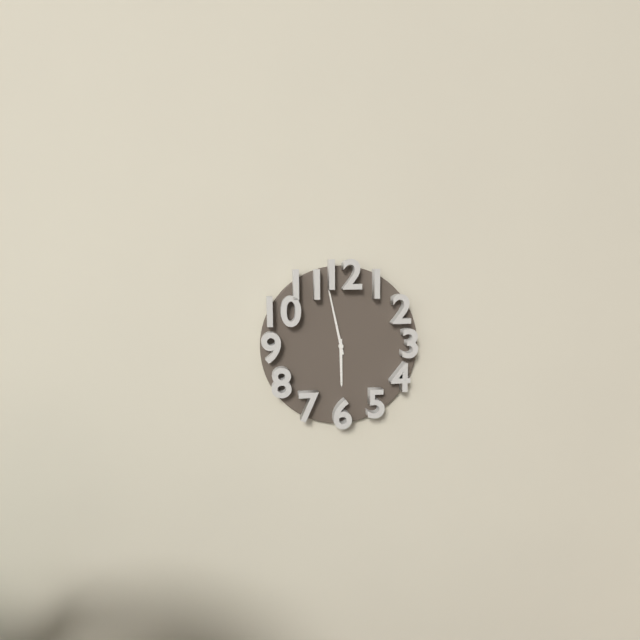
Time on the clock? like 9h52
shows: 5h58
